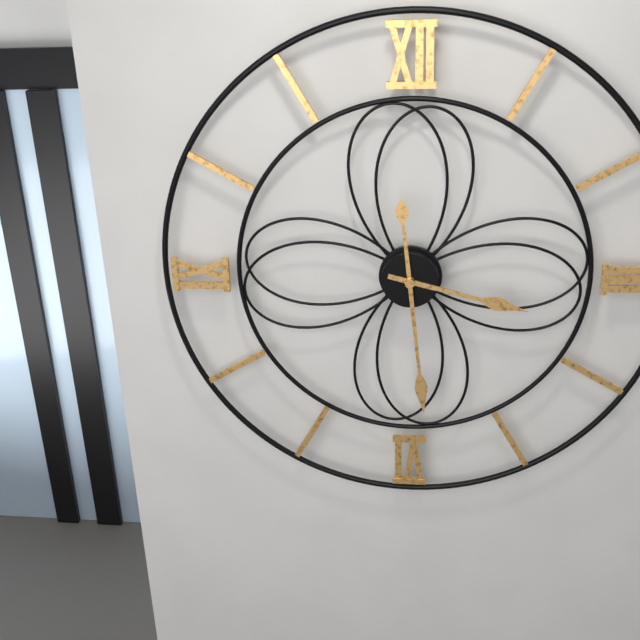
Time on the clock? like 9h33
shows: 3h29
